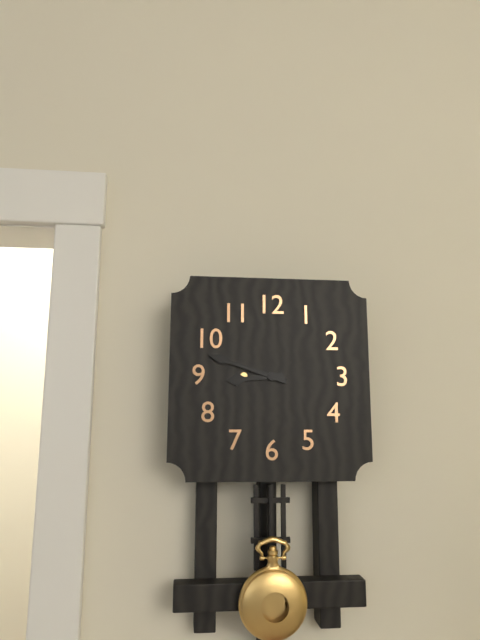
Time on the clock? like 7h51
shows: 8h48
